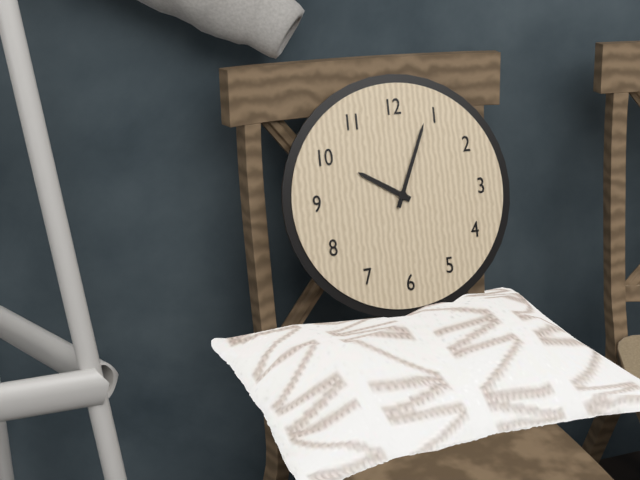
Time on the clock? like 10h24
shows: 10h04
